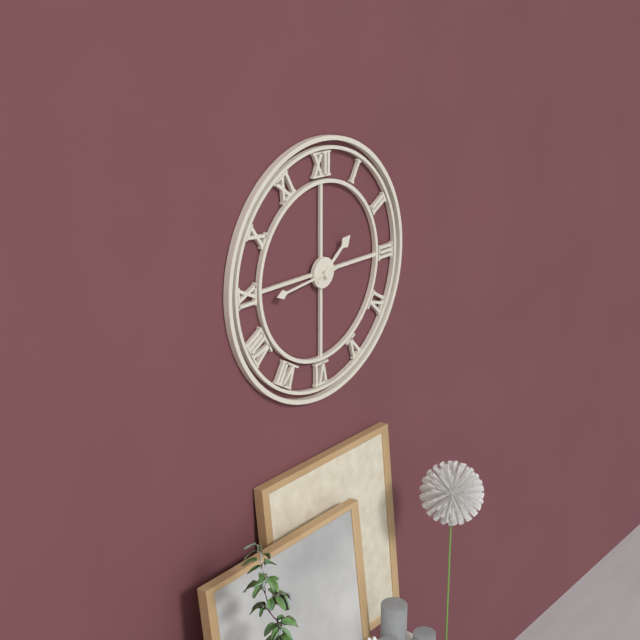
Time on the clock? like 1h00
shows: 1h44
